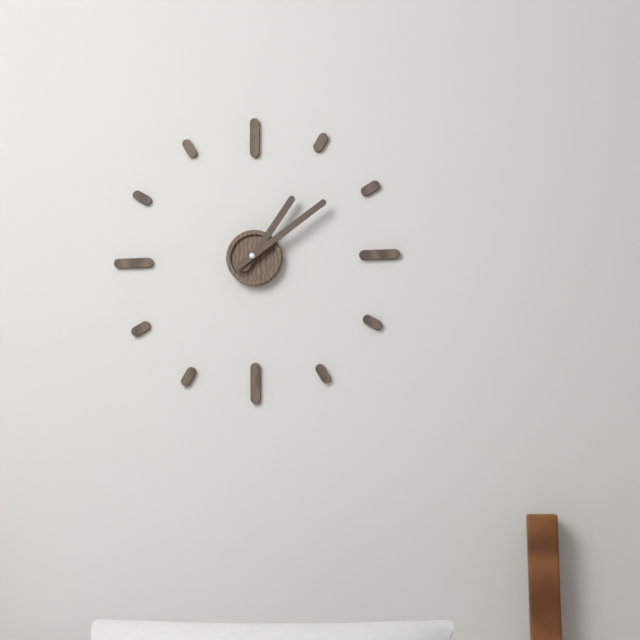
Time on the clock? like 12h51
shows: 1h09
